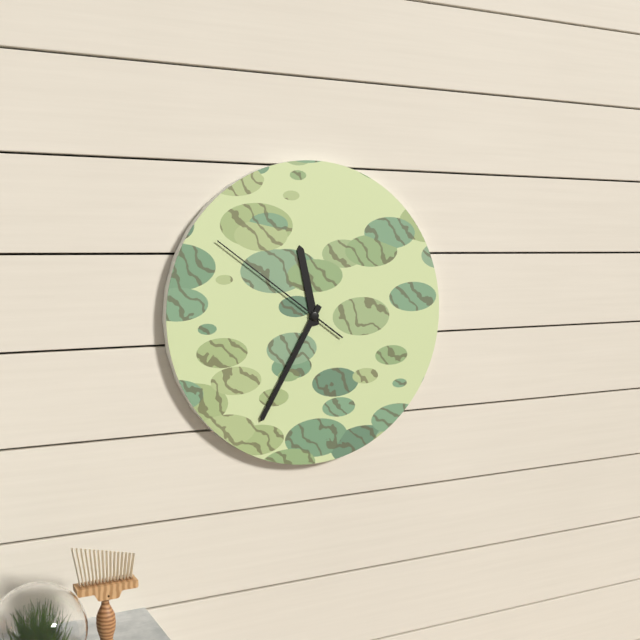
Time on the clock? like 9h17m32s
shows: 11h35m51s
